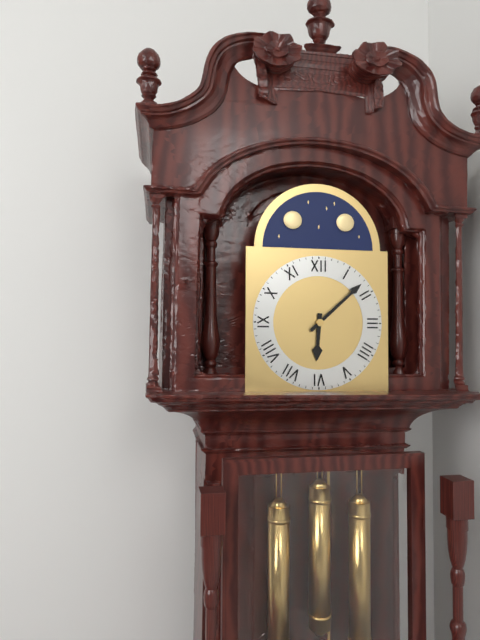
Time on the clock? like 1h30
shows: 6h08
